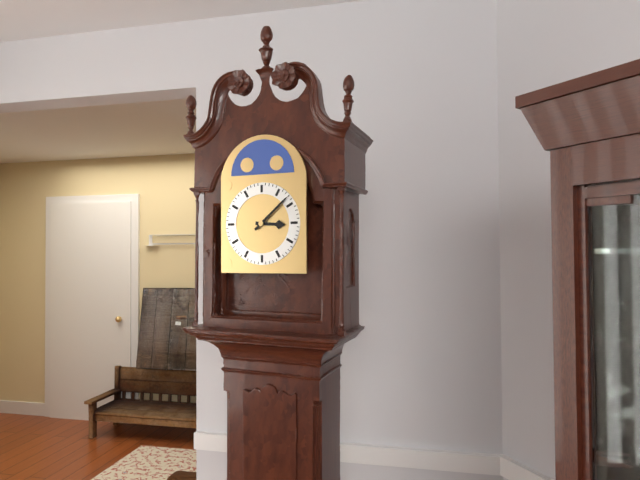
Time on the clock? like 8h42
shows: 3h08
